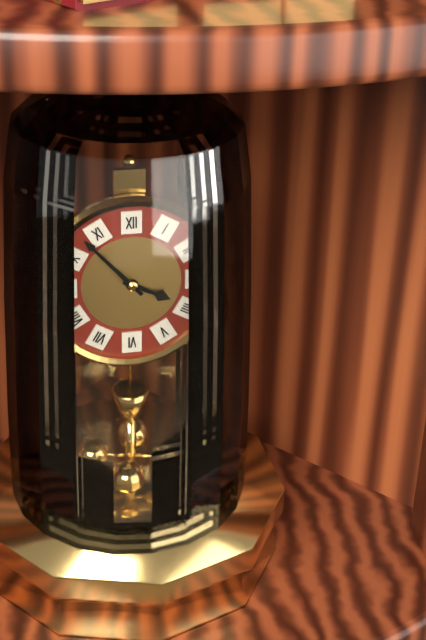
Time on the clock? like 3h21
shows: 3h53
